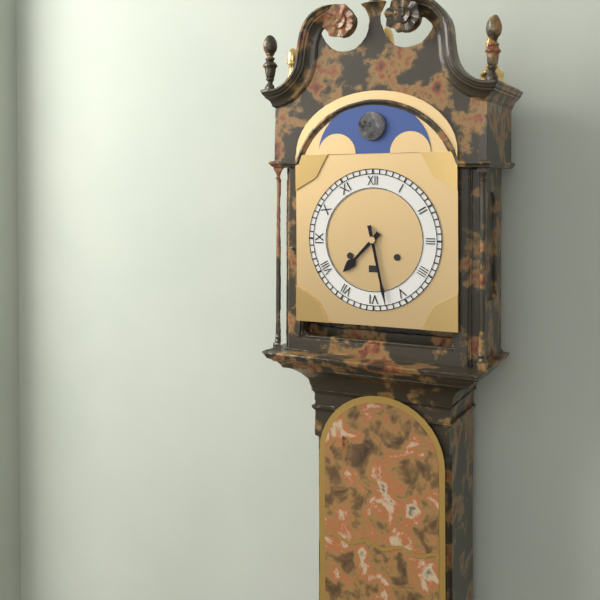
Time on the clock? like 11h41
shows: 7h28
